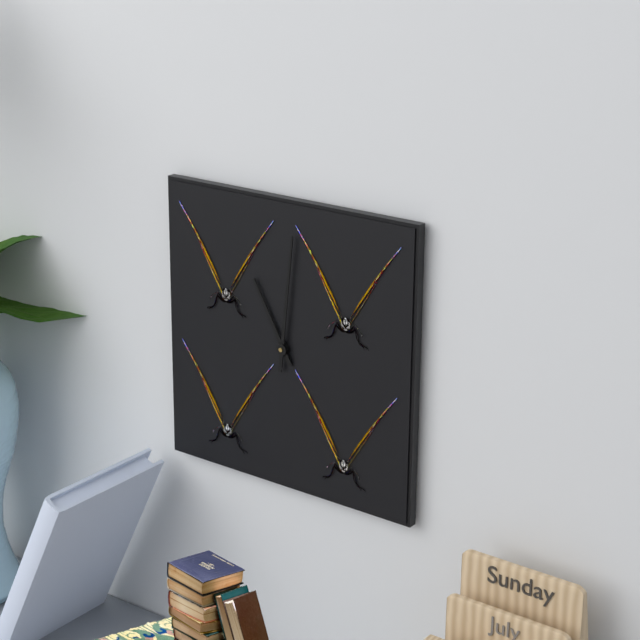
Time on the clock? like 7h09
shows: 11h01
